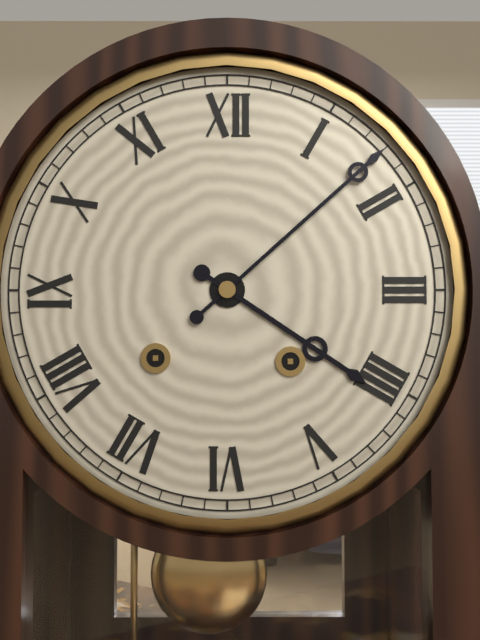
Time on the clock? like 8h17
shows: 4h08
